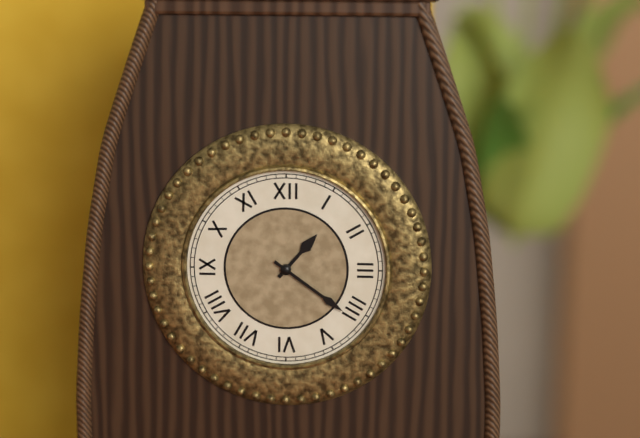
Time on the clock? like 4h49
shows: 1h21
